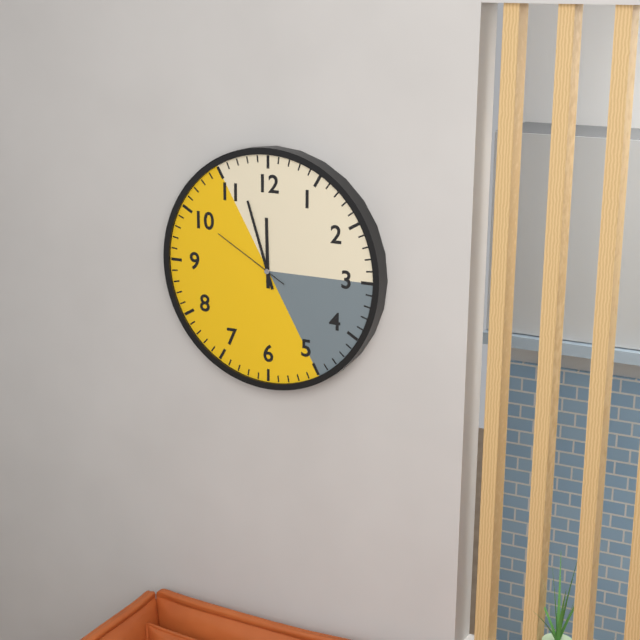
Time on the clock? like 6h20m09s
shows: 11h57m50s
